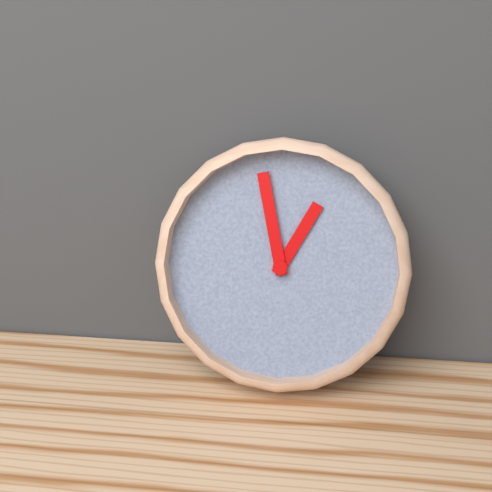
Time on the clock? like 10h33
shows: 12h58
